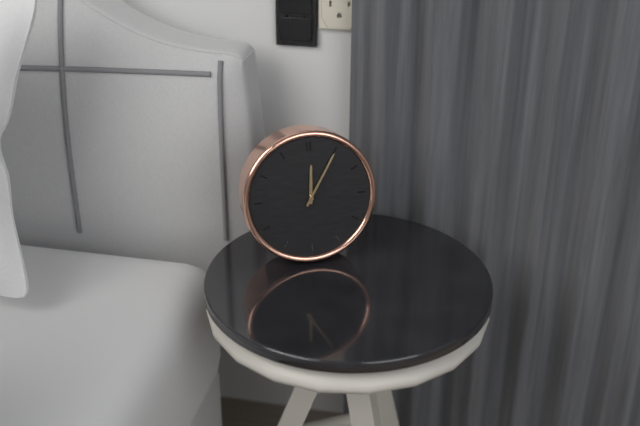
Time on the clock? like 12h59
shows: 12h05
